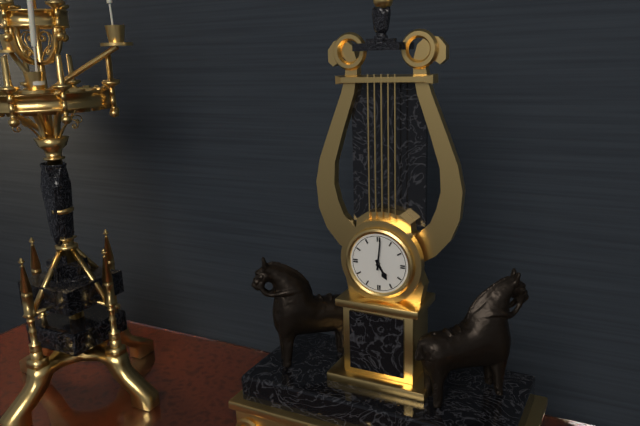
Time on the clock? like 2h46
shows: 5h01
